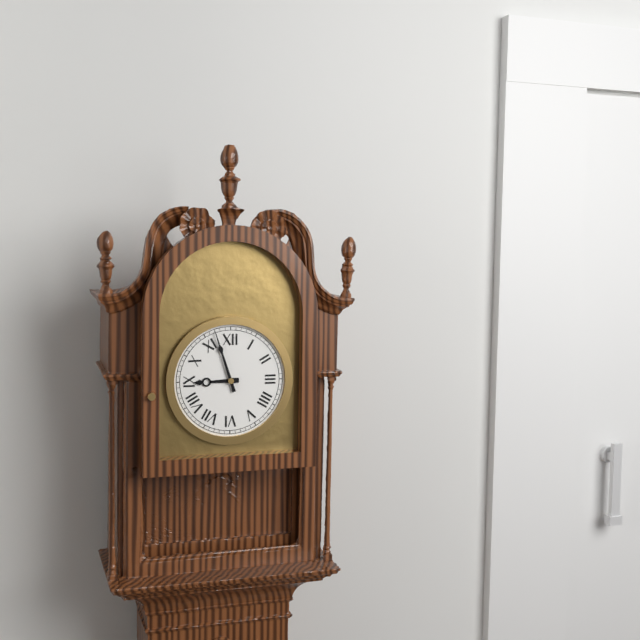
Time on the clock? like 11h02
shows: 8h57
